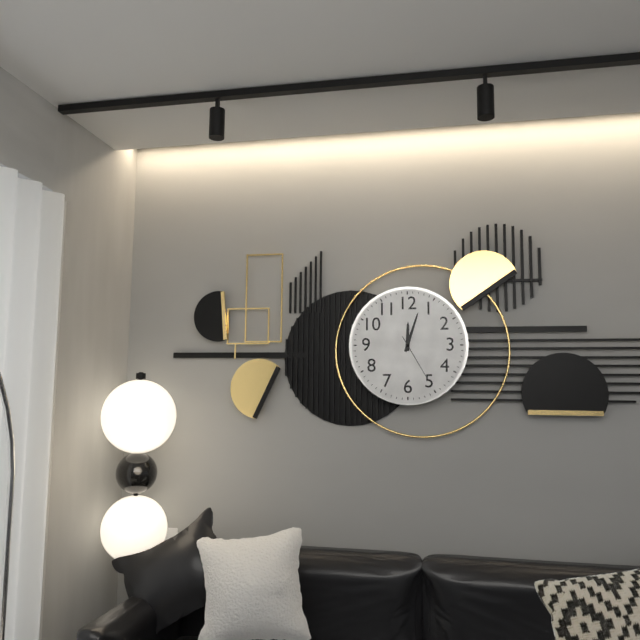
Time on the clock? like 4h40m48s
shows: 12h03m25s
